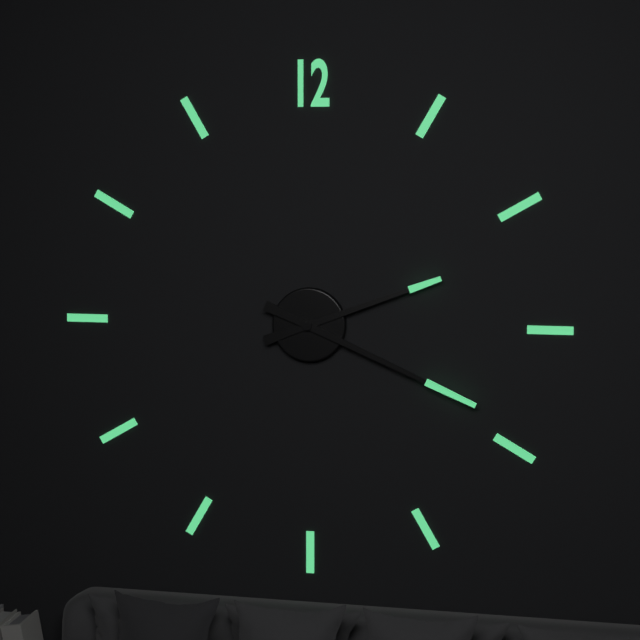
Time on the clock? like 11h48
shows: 2h19
